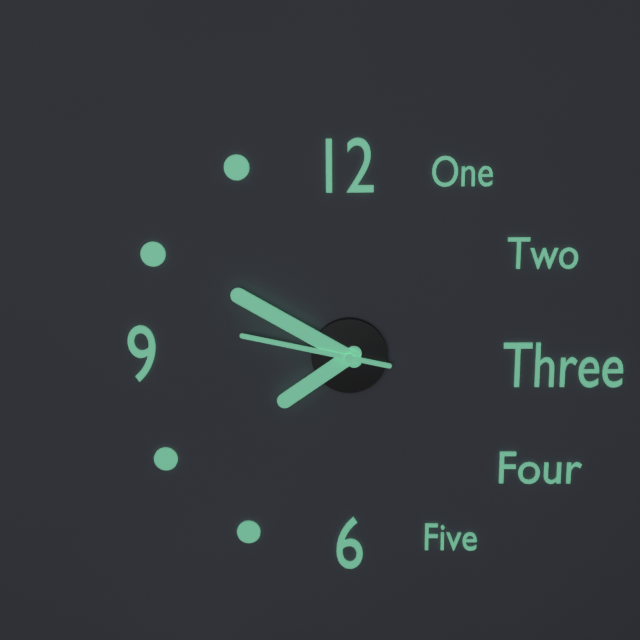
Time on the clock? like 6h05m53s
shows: 7h50m47s
